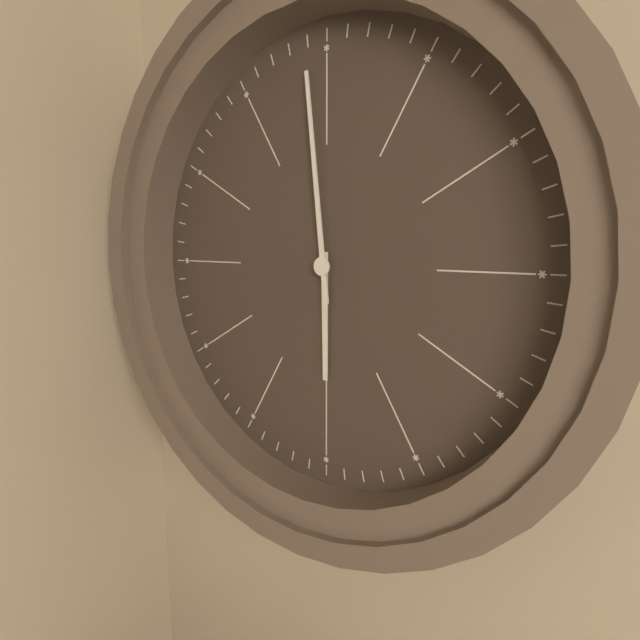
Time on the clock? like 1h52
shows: 5h59
